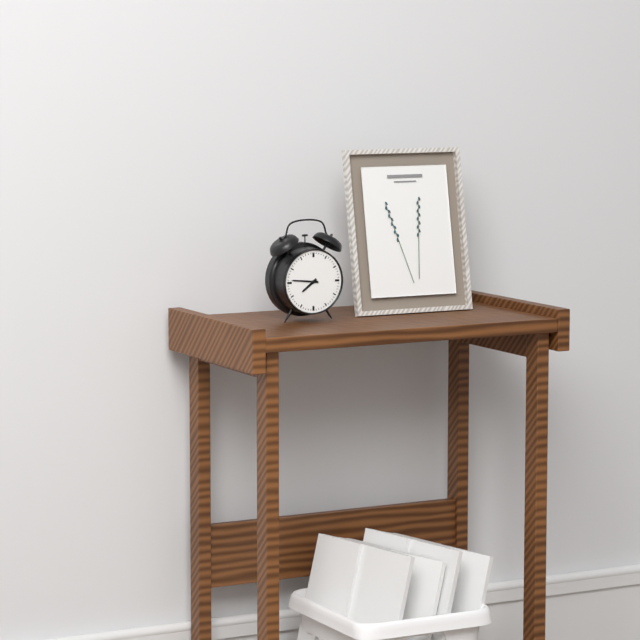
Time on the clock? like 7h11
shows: 7h46
